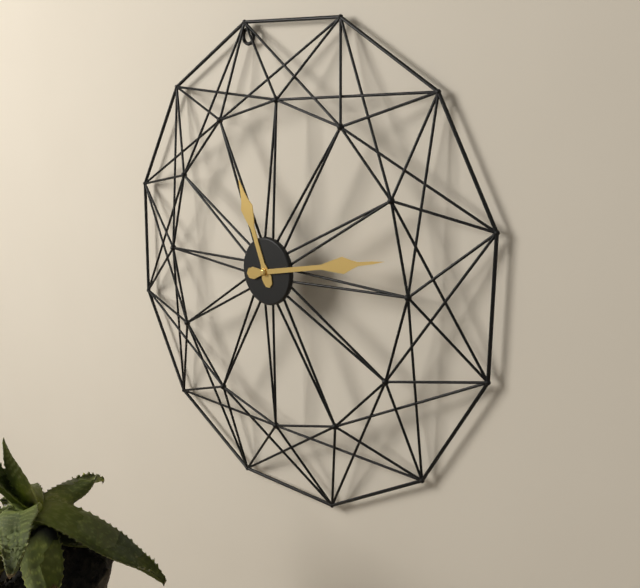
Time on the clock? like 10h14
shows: 11h13
